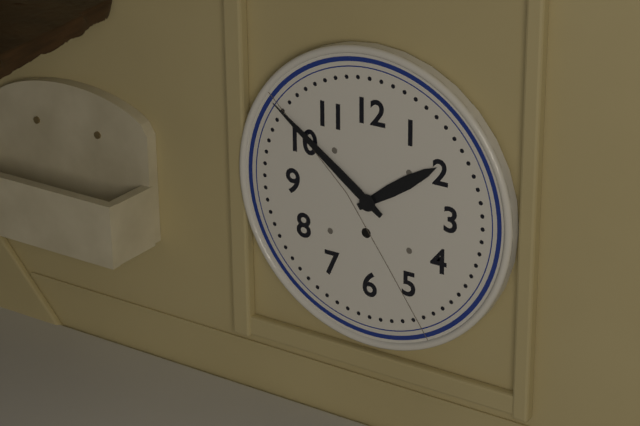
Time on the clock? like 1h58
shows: 1h51
